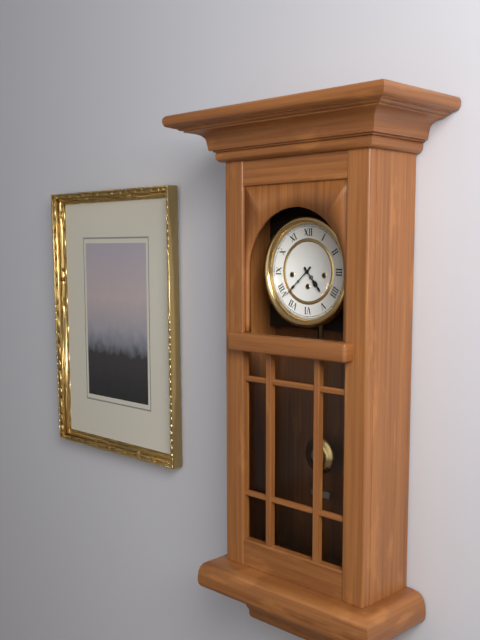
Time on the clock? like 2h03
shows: 4h38
